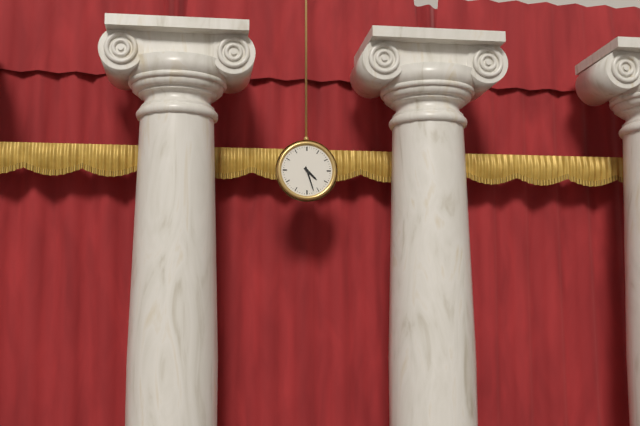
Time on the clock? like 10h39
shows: 4h27
